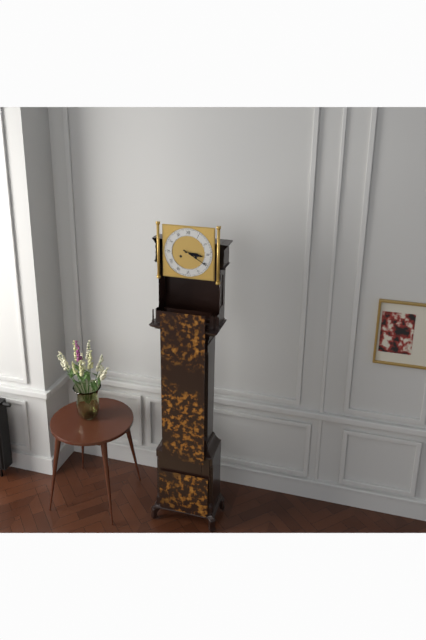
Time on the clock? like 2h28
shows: 3h20
